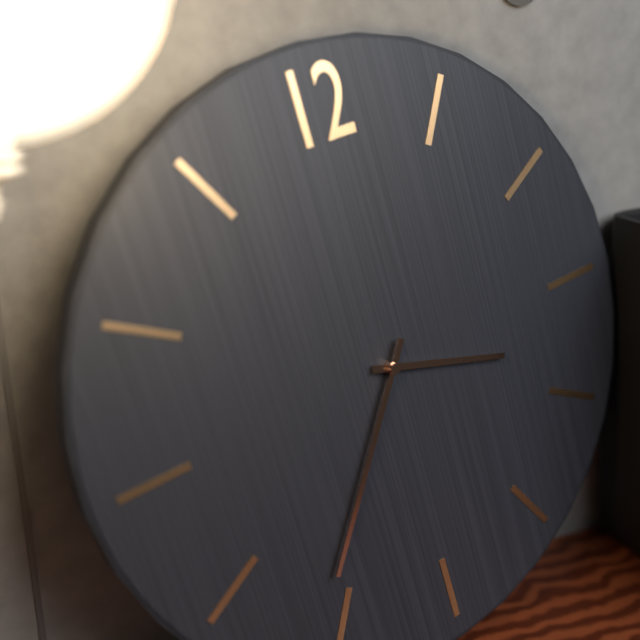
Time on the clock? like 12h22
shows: 3h36
